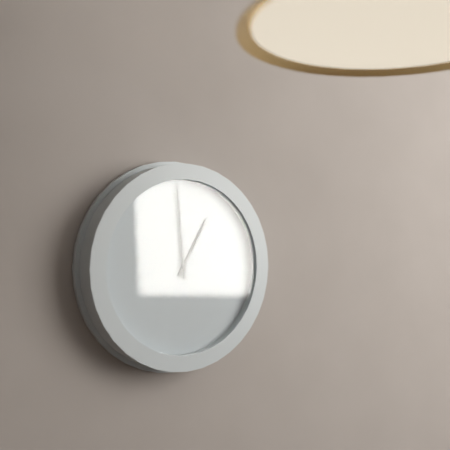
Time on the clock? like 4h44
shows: 12h59
